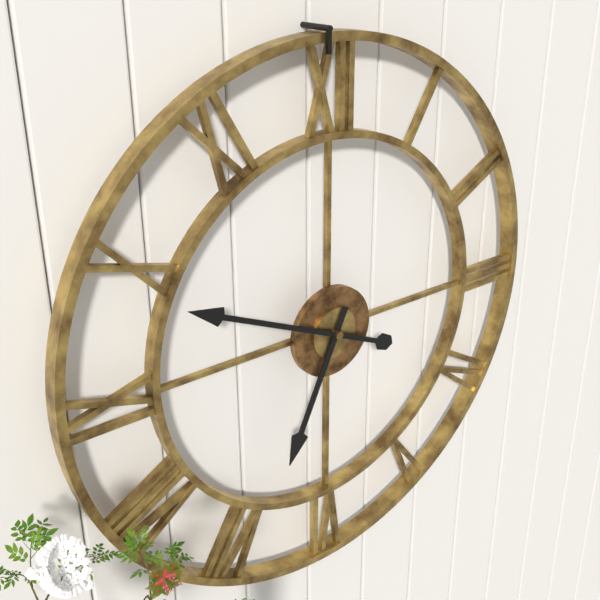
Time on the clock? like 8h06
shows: 6h49
